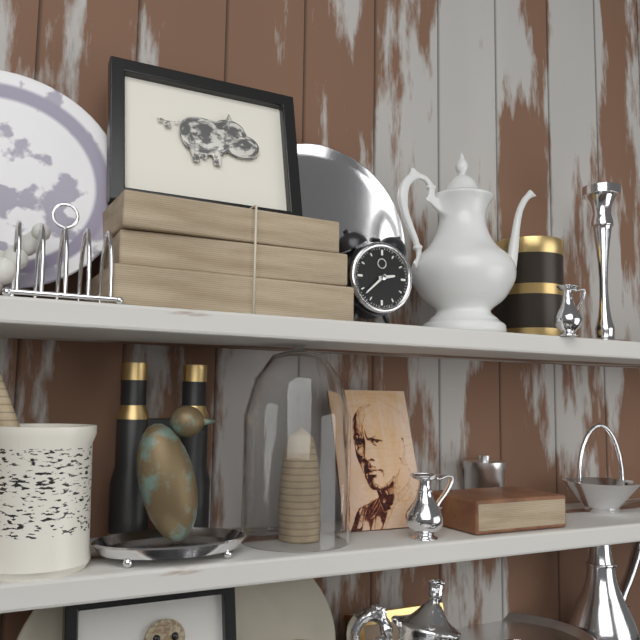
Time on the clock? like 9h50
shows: 2h38
